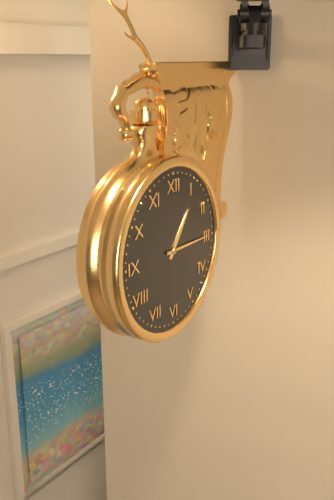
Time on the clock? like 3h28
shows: 1h15
